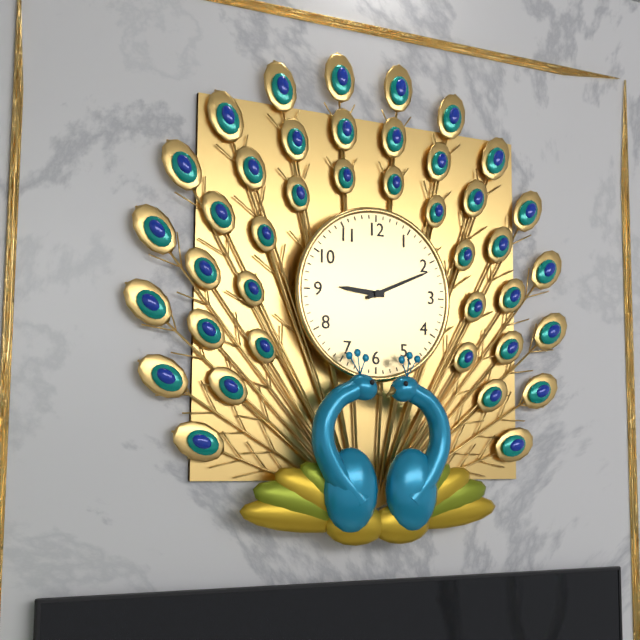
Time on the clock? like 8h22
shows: 9h11
